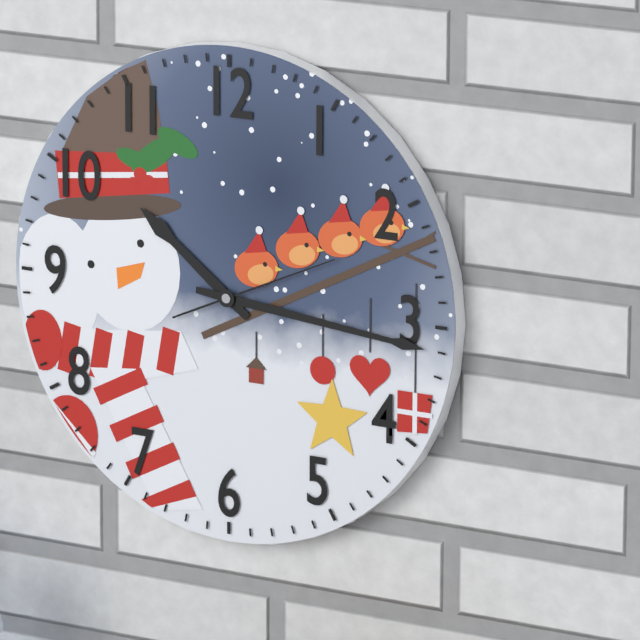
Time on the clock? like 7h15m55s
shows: 10h16m11s
